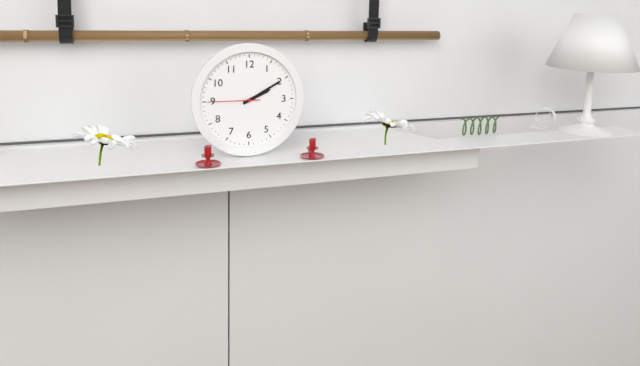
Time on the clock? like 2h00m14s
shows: 2h10m45s
